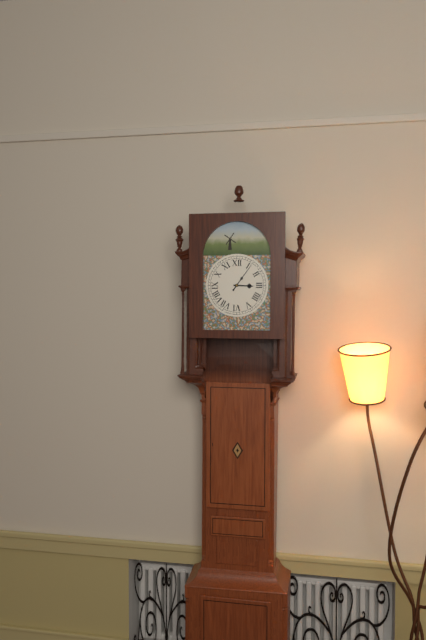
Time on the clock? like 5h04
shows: 3h06
